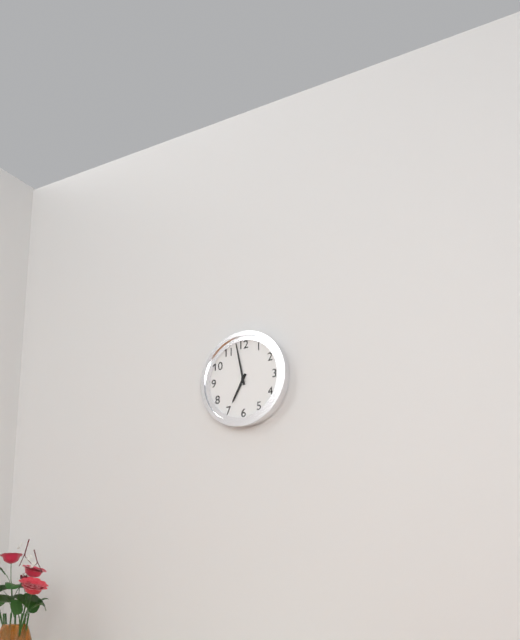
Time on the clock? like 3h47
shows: 6h58
